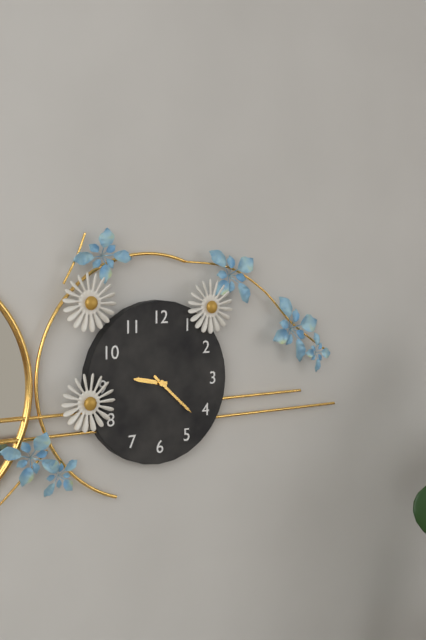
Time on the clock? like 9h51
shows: 9h22
